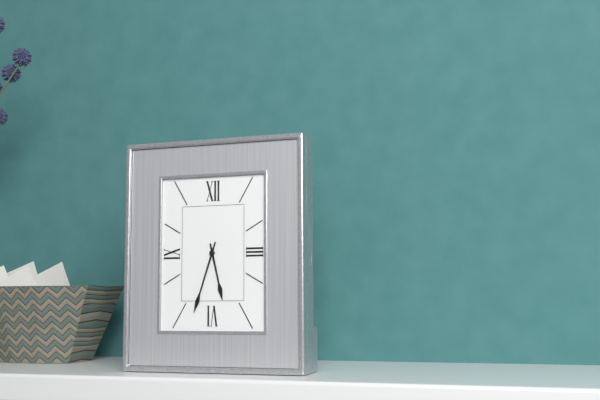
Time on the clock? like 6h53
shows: 5h33
